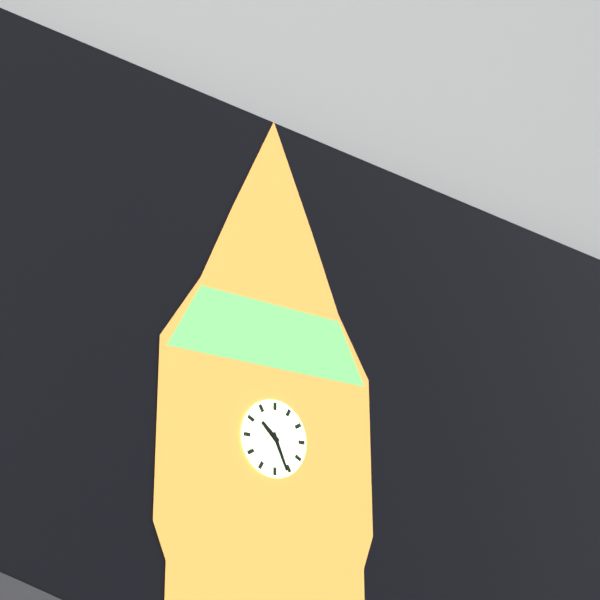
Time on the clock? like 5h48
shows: 10h26
